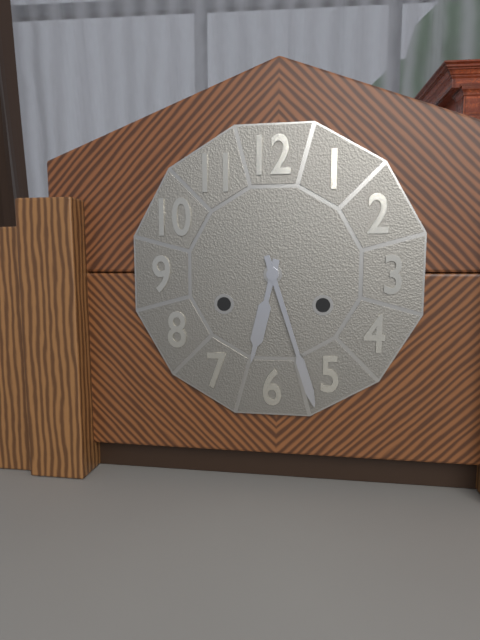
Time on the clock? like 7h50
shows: 6h27
